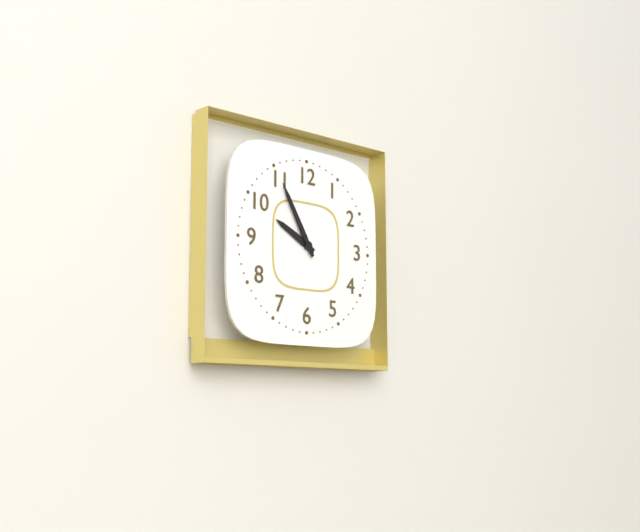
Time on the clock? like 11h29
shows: 9h55
